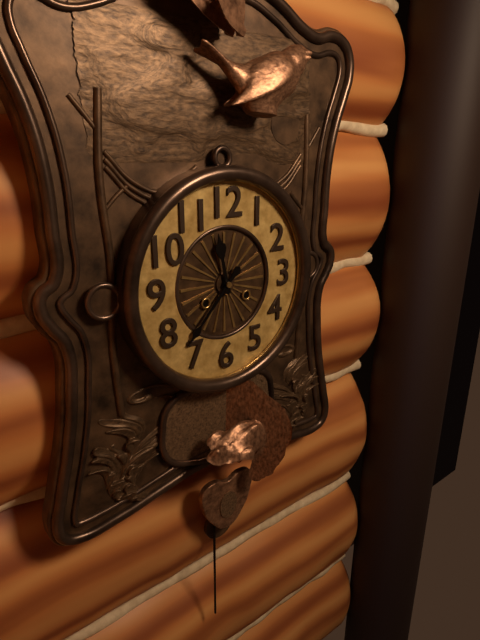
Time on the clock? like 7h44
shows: 11h37
